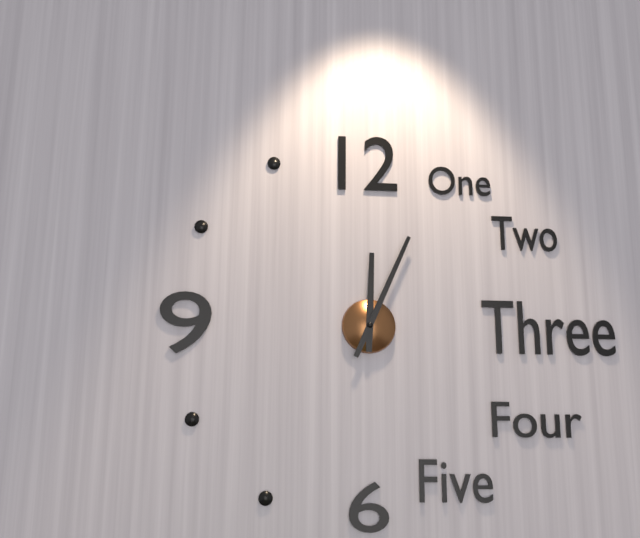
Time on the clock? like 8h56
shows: 12h04
